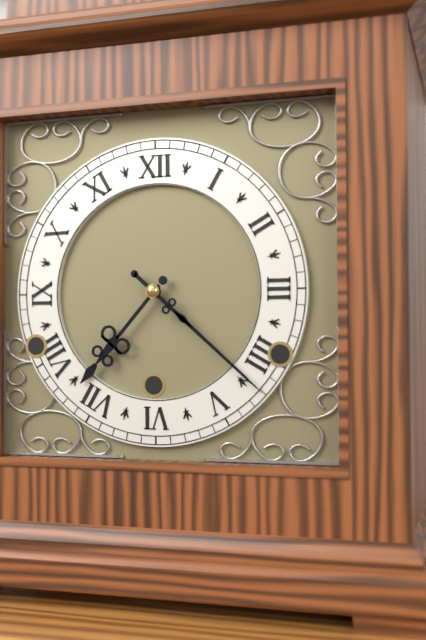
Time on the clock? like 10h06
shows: 7h22
